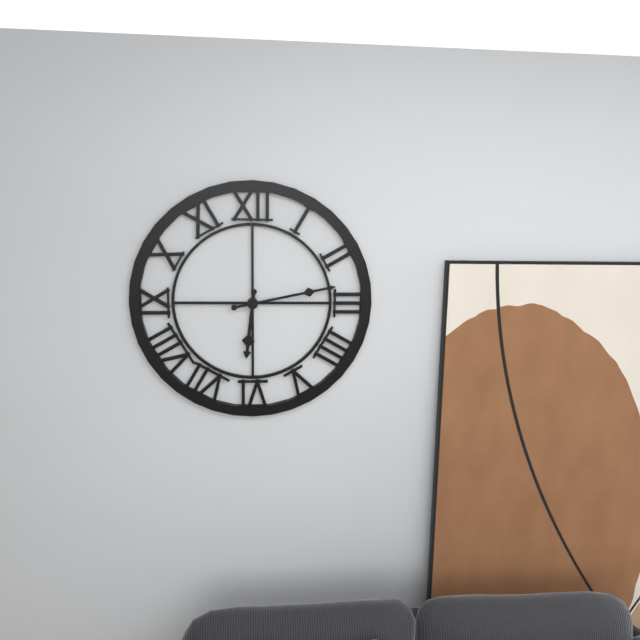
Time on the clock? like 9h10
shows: 6h13
